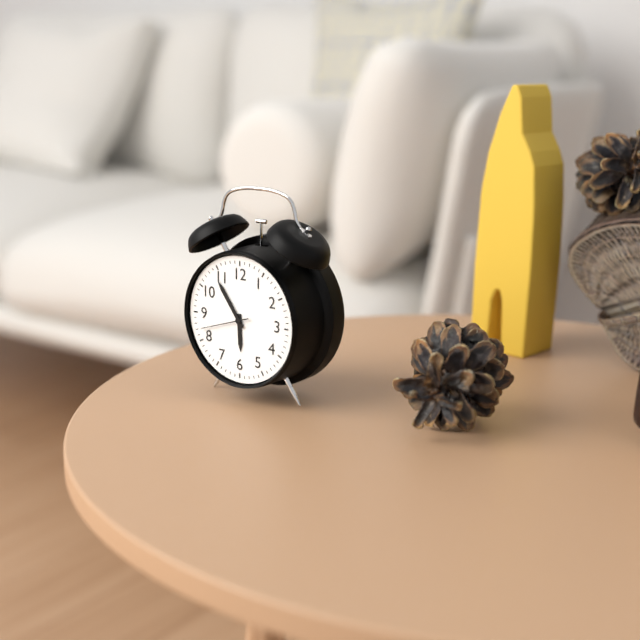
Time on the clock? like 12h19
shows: 5h54
